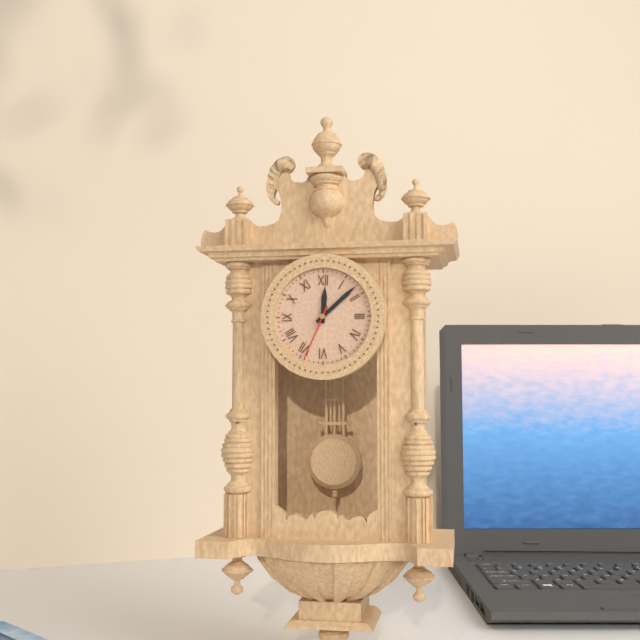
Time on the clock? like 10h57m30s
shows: 12h08m34s
